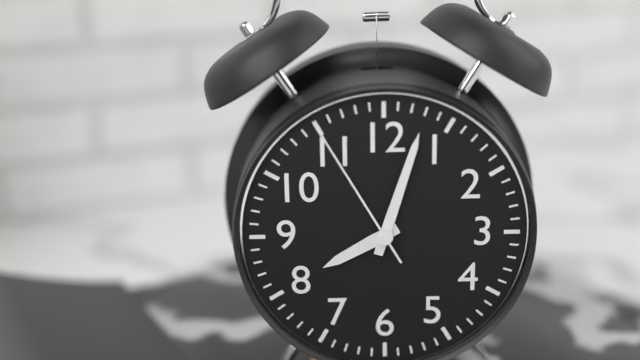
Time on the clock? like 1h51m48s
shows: 8h03m55s
